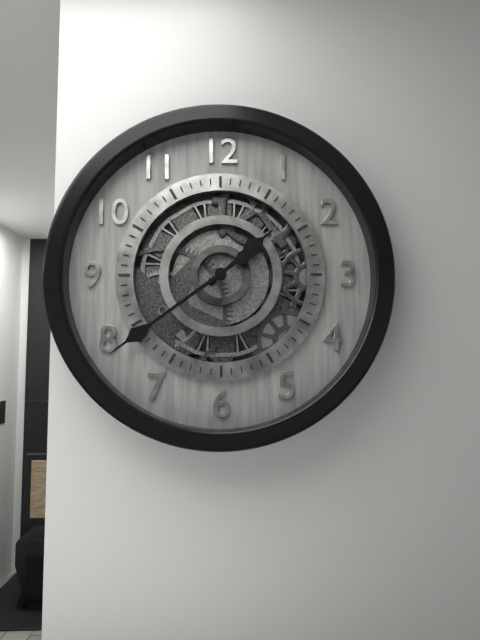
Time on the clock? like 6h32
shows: 1h39
